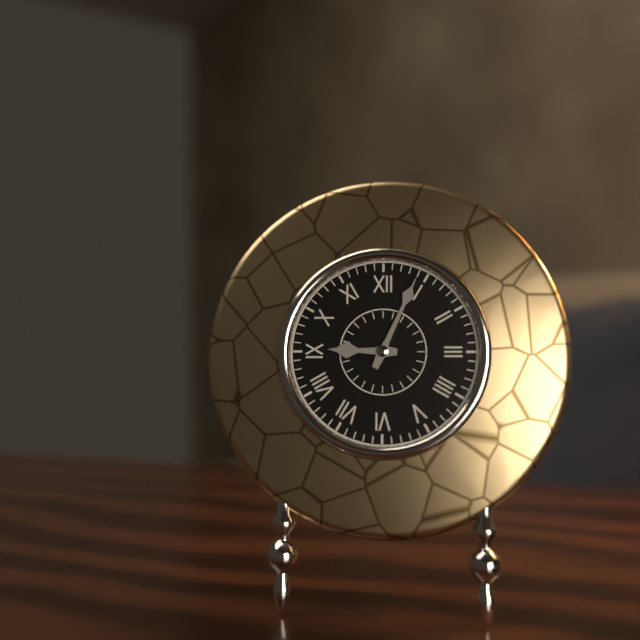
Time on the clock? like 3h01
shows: 9h04
